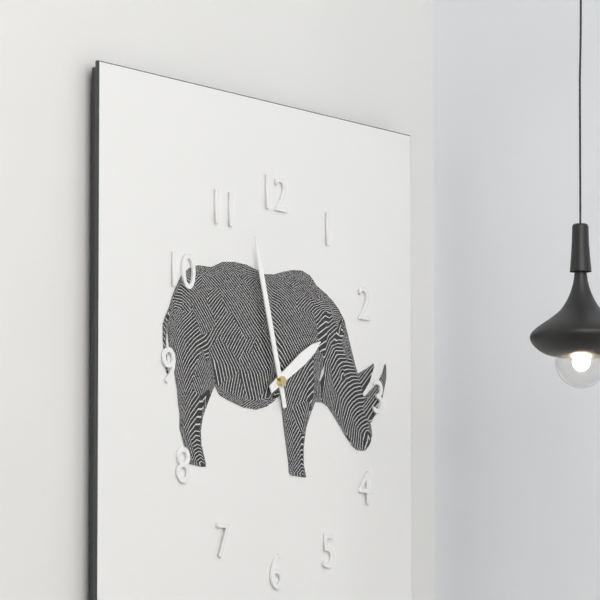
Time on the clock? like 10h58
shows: 1h57
